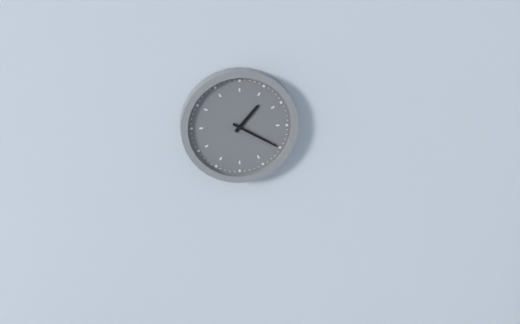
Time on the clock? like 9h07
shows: 1h20
